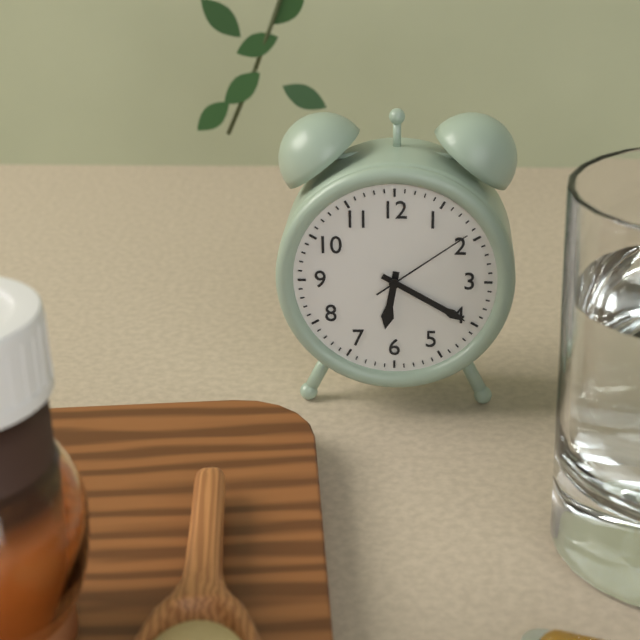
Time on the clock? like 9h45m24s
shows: 6h20m09s
